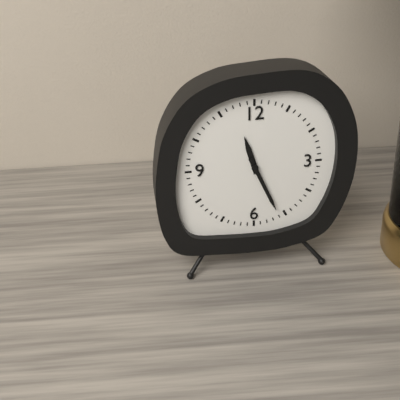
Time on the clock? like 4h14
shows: 11h26
